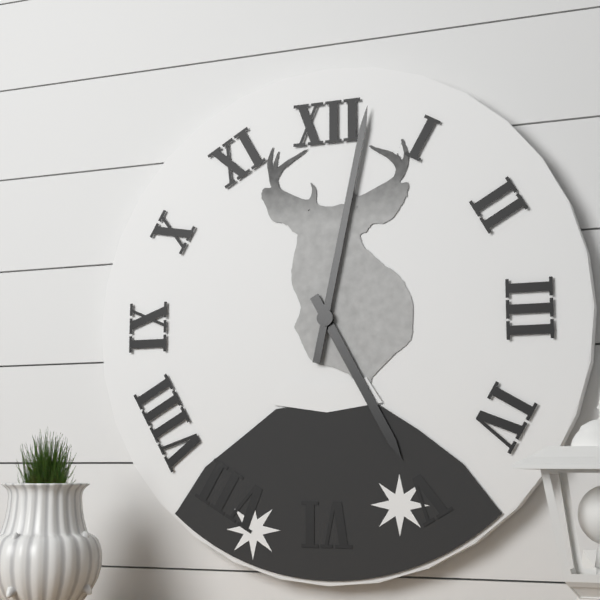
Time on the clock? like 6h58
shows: 5h02
